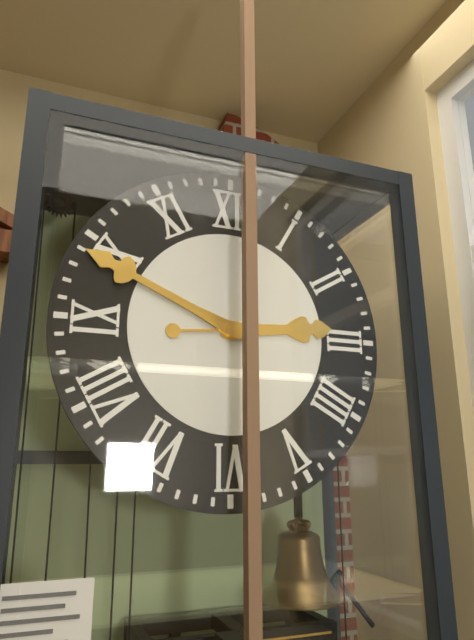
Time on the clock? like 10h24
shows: 2h49
